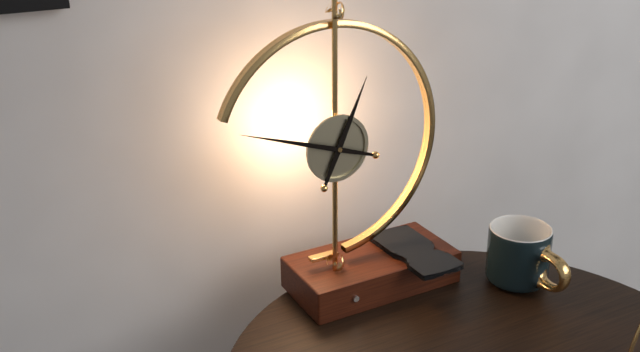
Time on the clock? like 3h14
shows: 12h48
